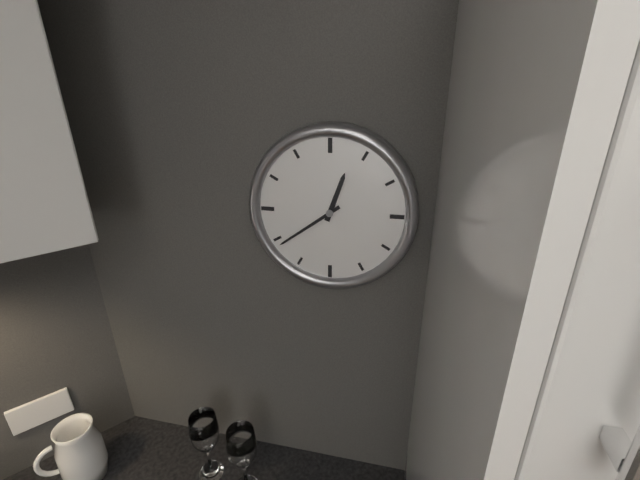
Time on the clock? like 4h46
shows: 12h39
